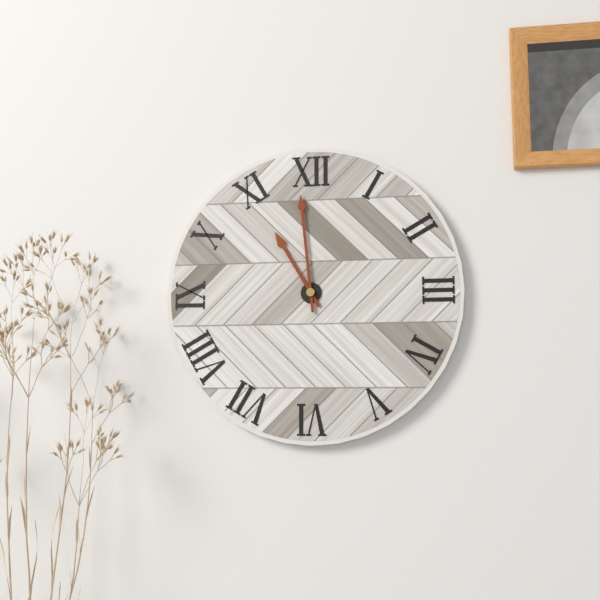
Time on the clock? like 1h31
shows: 10h59
